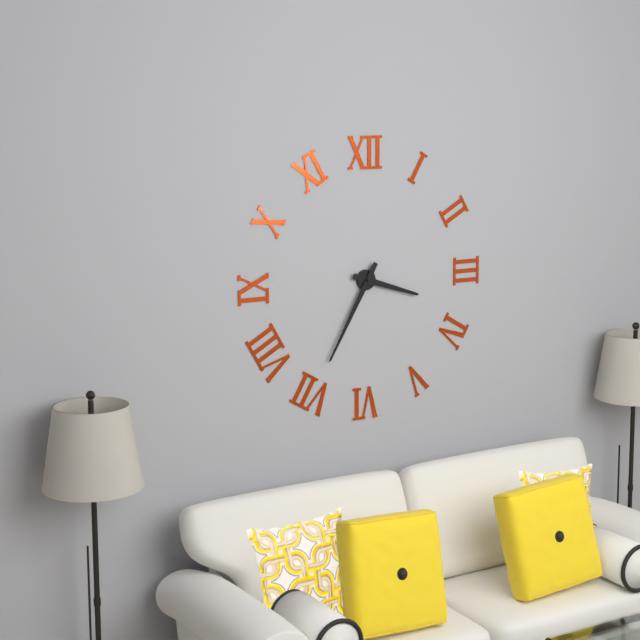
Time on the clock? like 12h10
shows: 3h35
